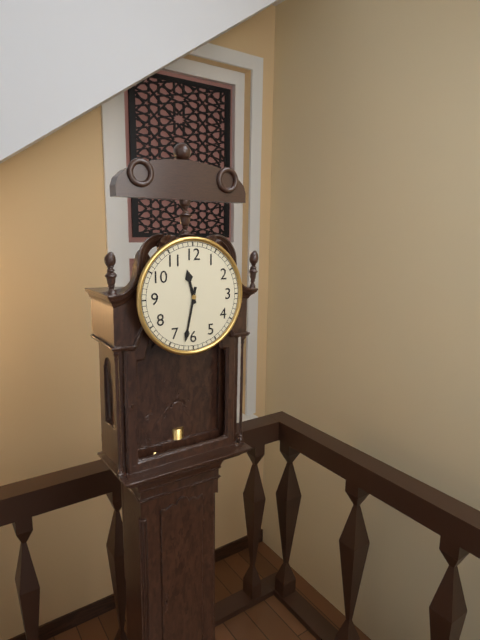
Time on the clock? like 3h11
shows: 11h32
